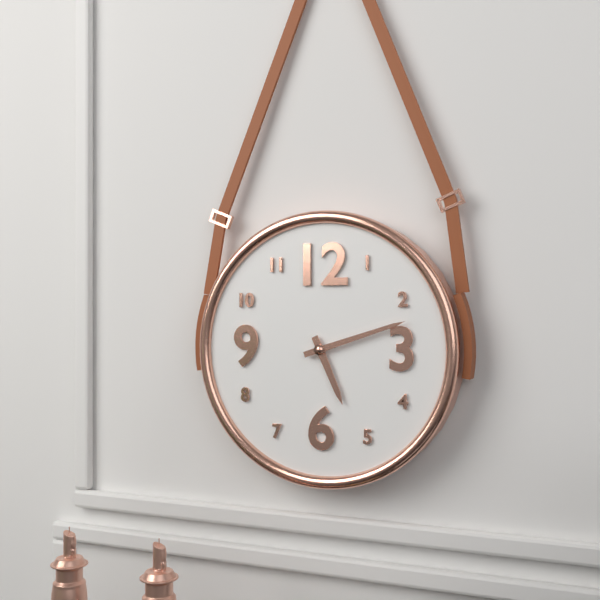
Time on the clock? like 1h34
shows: 5h12
